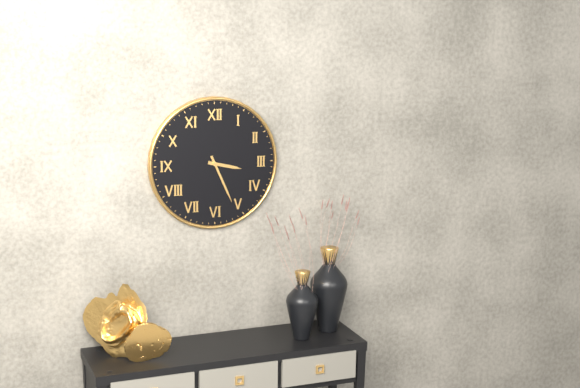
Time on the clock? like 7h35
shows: 3h26
